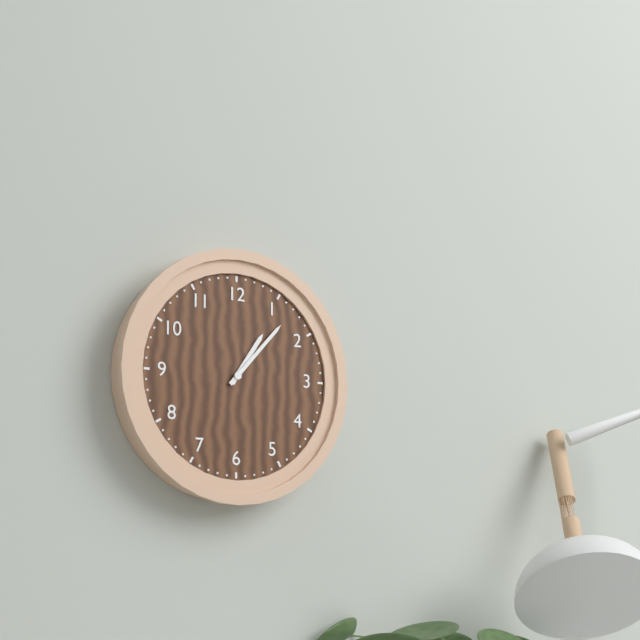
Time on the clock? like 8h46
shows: 1h07
